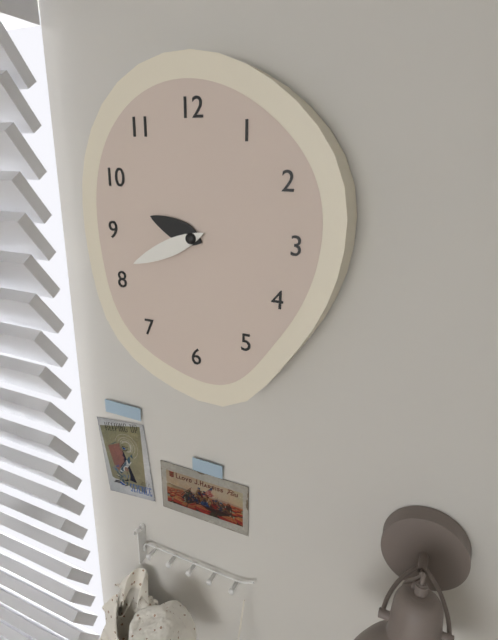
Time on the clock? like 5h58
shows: 9h41
